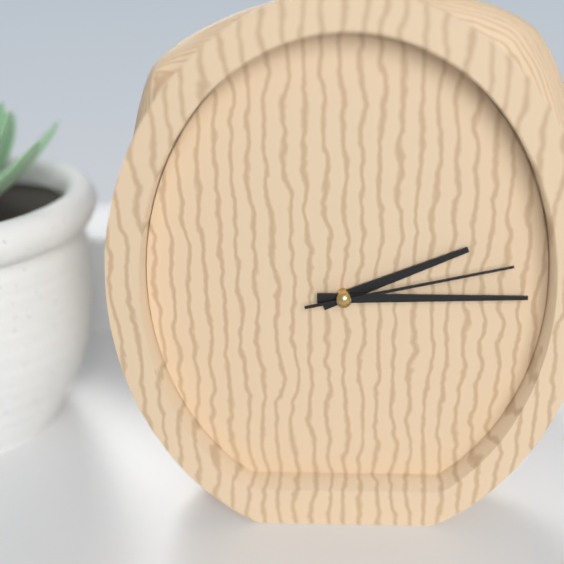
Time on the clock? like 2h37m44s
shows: 2h15m13s
